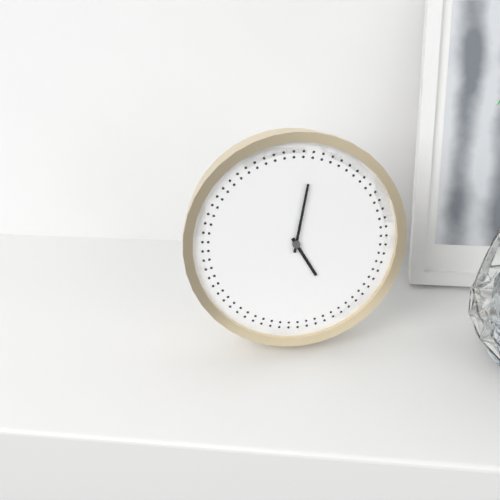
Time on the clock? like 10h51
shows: 5h02
